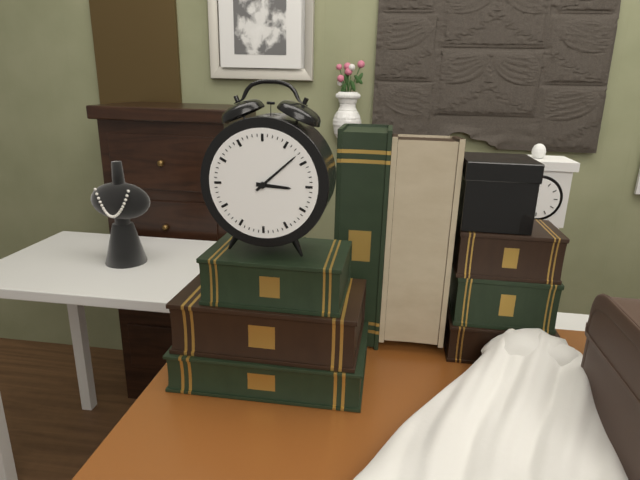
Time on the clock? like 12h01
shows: 3h08
